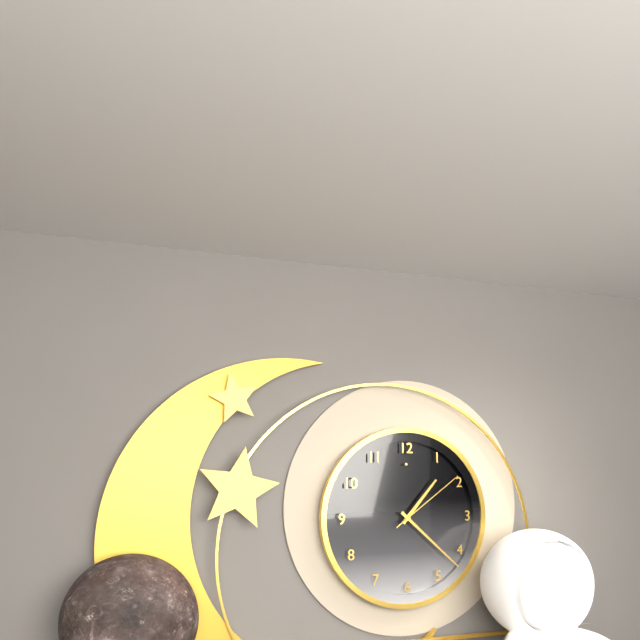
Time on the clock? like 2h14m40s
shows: 1h22m09s
